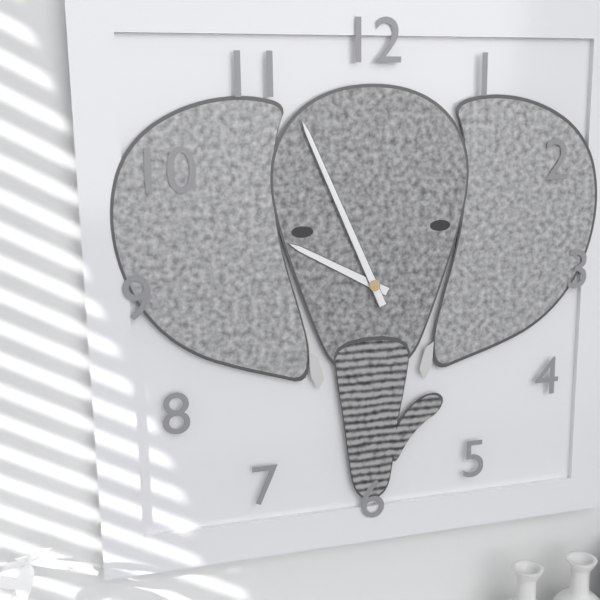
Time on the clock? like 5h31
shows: 9h56
